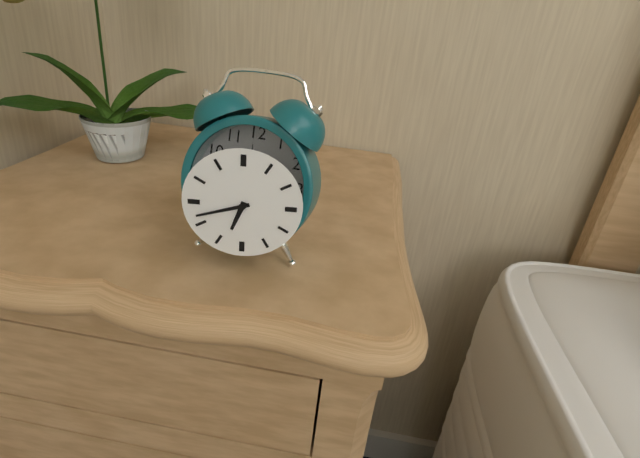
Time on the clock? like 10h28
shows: 6h42
